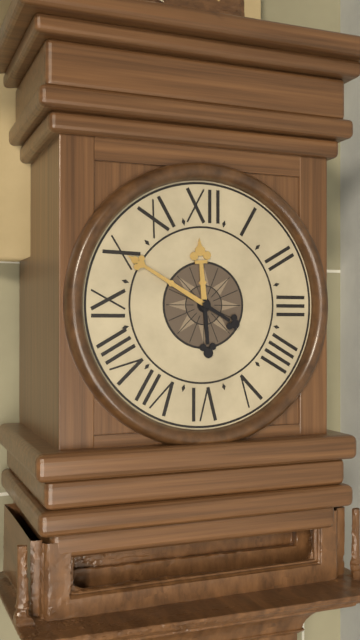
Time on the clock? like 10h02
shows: 11h50
